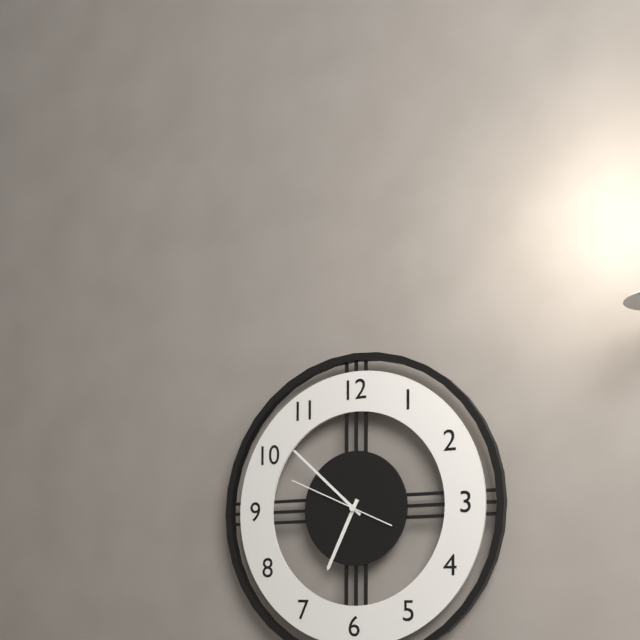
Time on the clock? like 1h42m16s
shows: 6h52m49s
